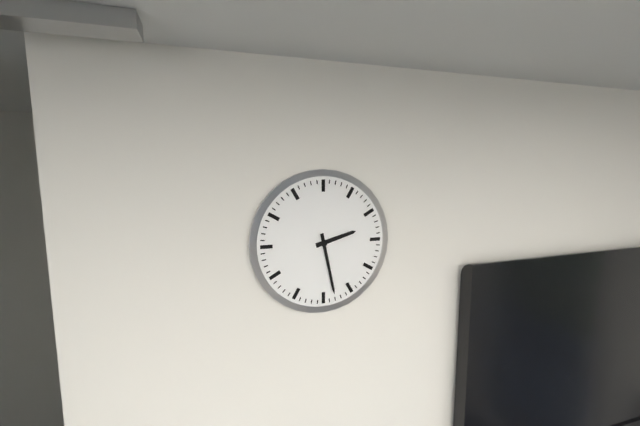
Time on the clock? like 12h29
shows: 2h28
